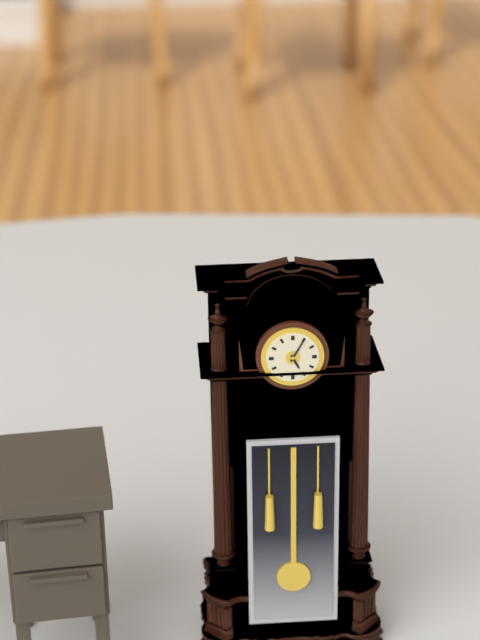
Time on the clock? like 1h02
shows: 5h05
